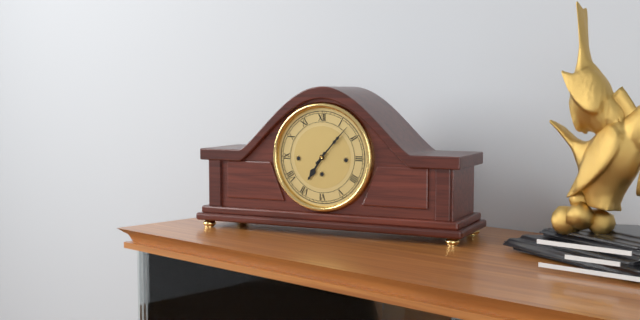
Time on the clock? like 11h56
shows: 7h07
